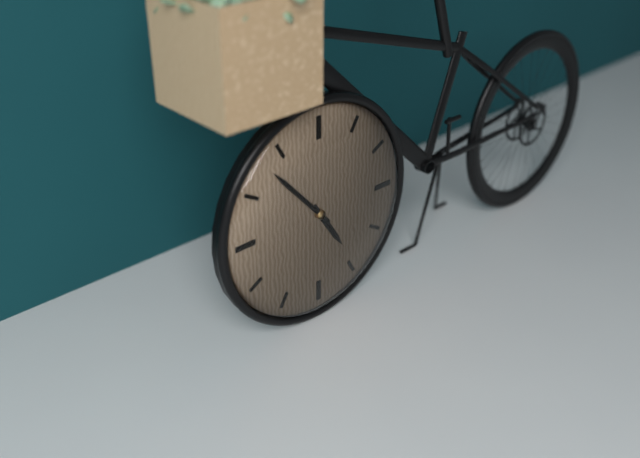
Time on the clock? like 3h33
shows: 4h53
